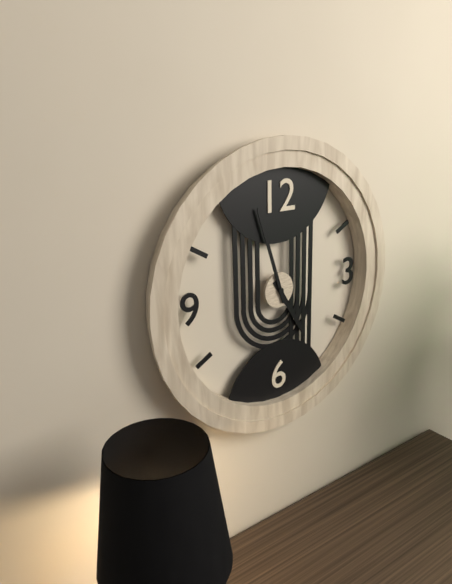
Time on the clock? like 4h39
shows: 4h57
